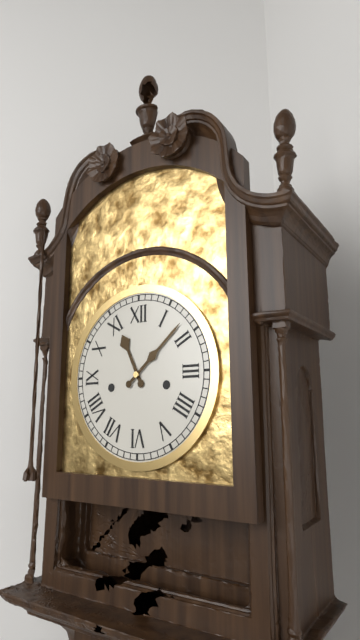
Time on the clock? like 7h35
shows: 11h08
